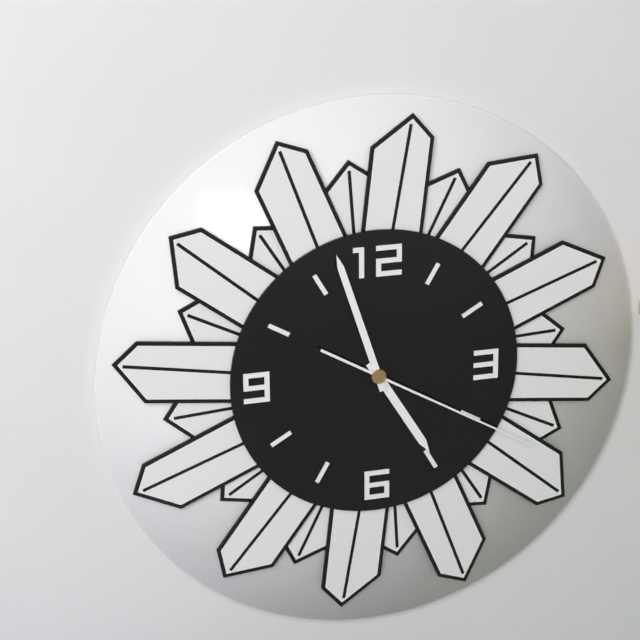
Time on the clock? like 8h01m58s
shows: 4h57m20s
